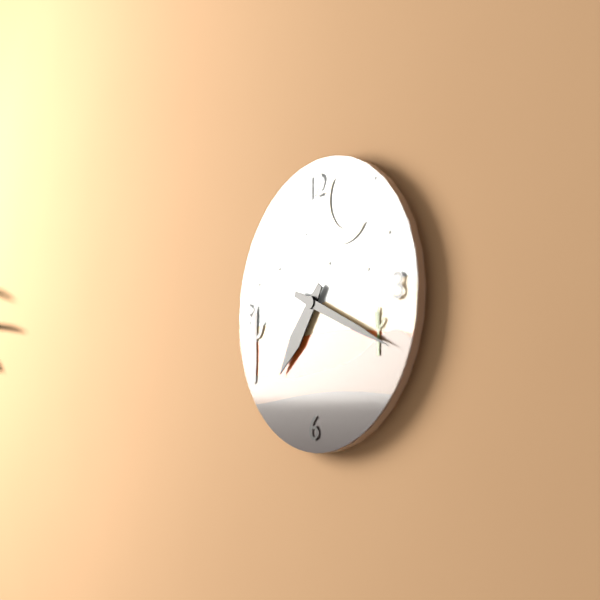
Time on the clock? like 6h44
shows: 7h19
